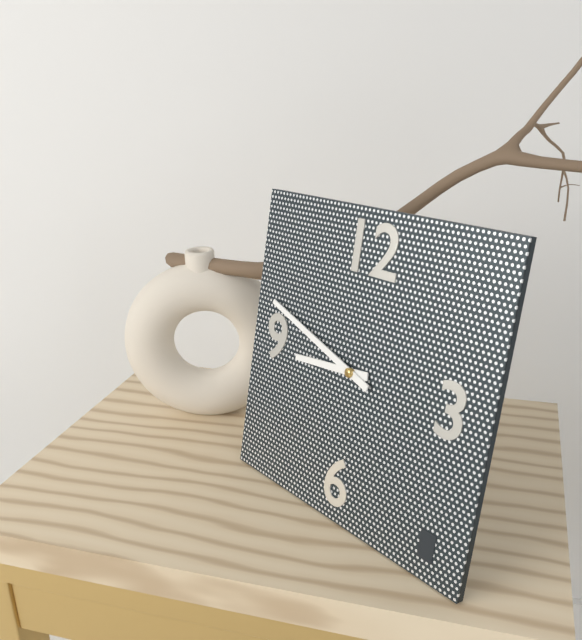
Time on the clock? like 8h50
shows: 8h48
